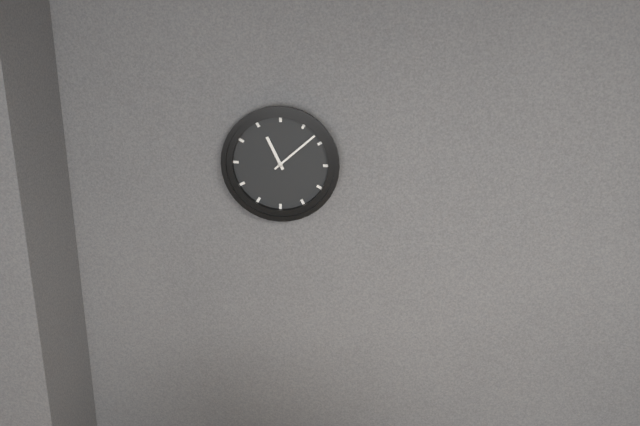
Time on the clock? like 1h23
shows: 11h08
